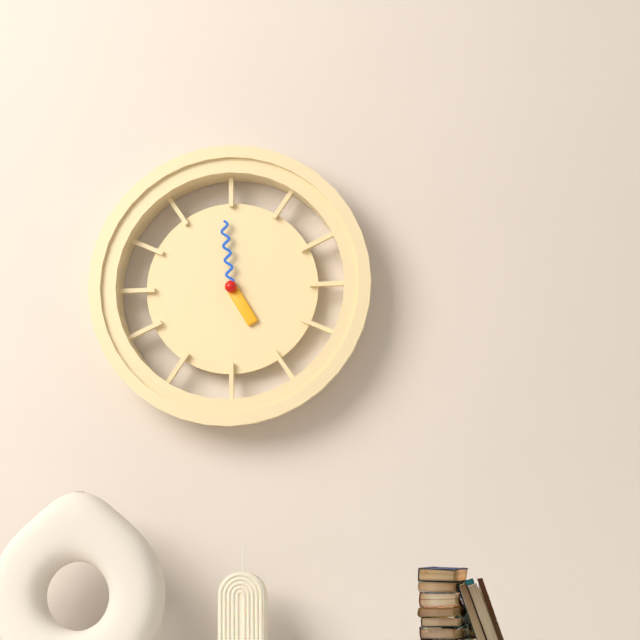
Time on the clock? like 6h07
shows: 4h59
